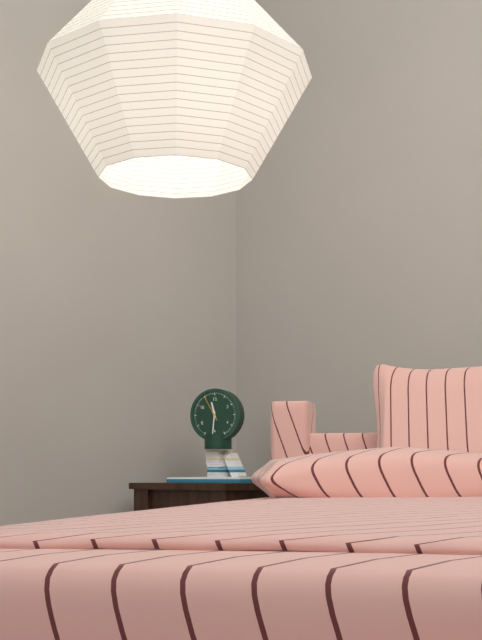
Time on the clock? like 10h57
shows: 11h31
